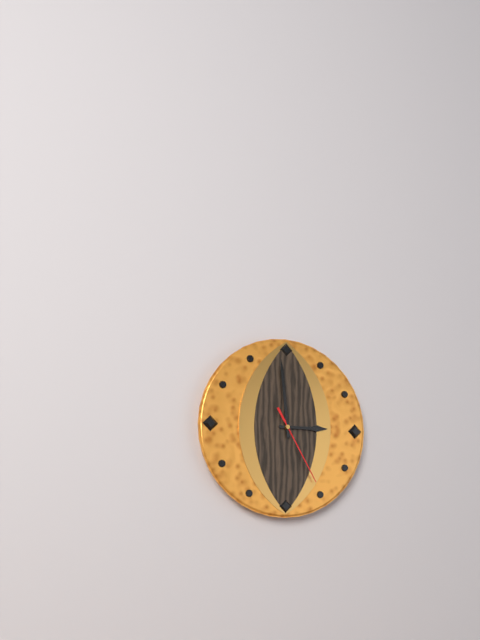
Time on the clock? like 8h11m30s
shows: 2h59m25s
